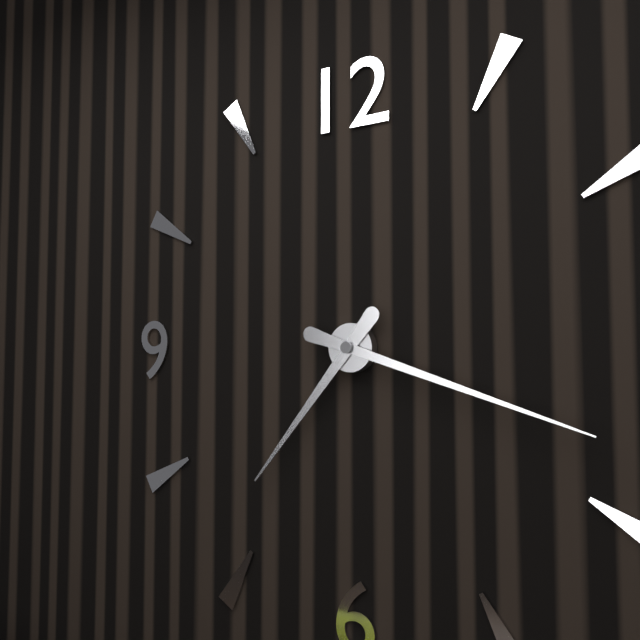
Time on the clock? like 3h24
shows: 7h18
